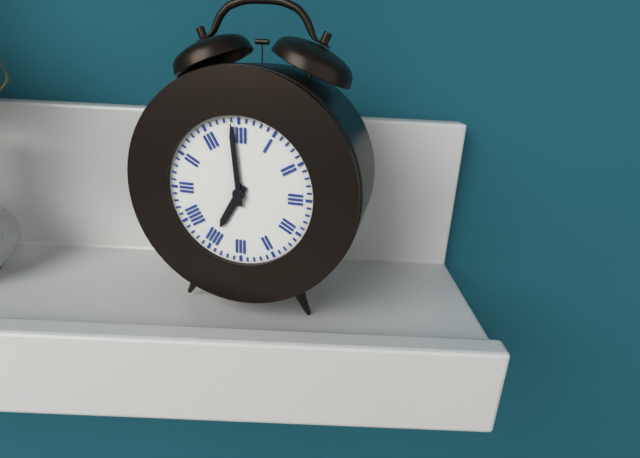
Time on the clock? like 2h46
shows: 6h59
